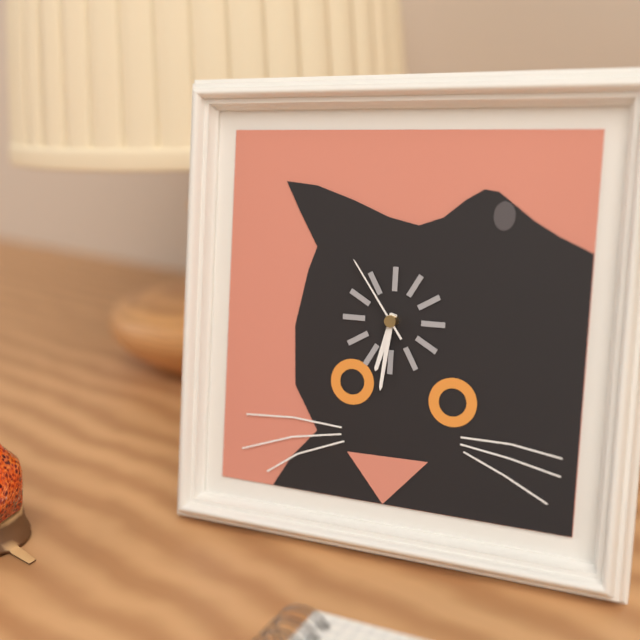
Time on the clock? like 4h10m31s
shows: 6h31m54s
